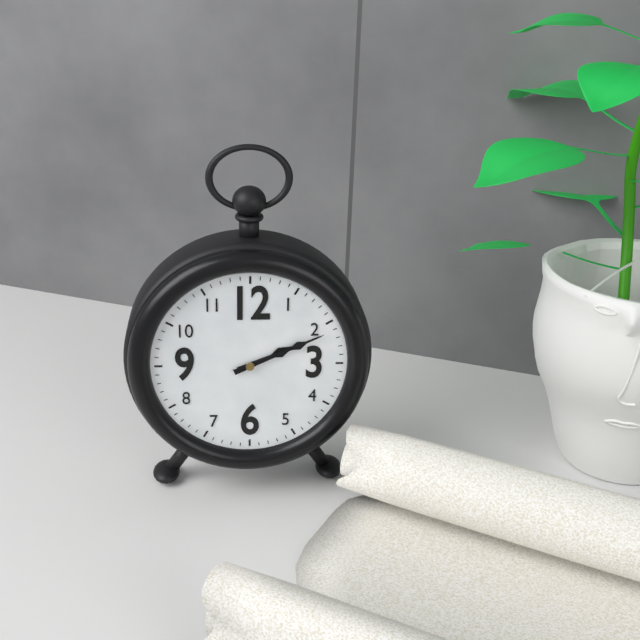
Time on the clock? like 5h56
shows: 2h11
